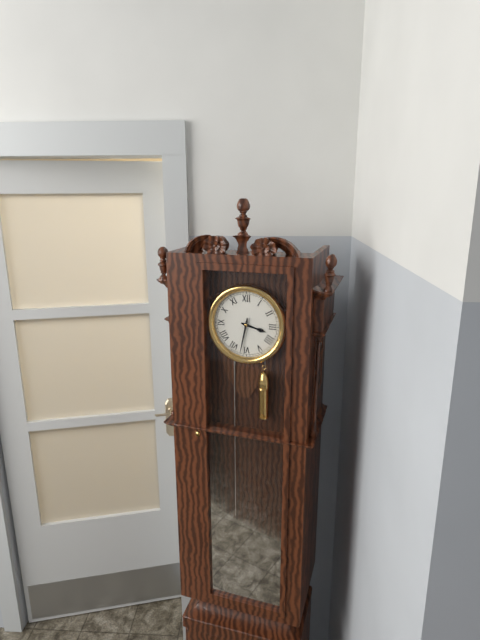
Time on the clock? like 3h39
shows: 3h32
